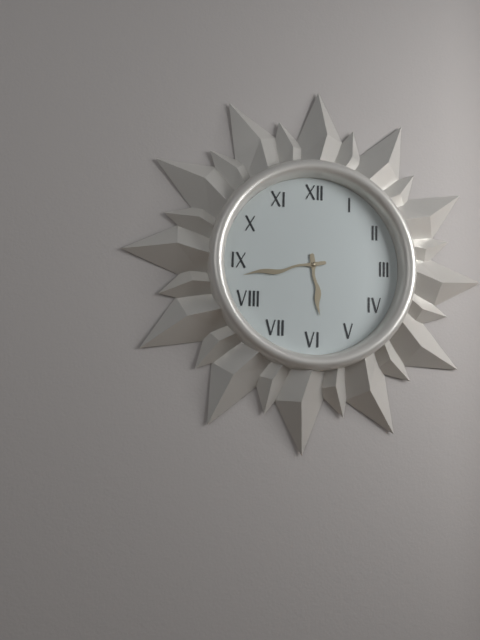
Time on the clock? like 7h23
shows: 5h43
